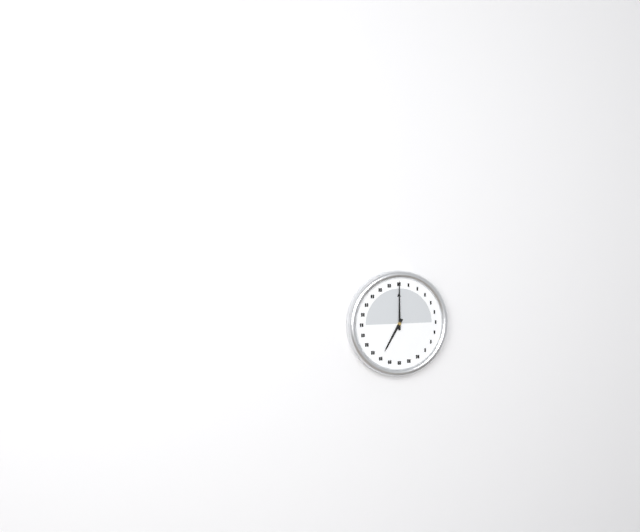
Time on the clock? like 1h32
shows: 7h00
